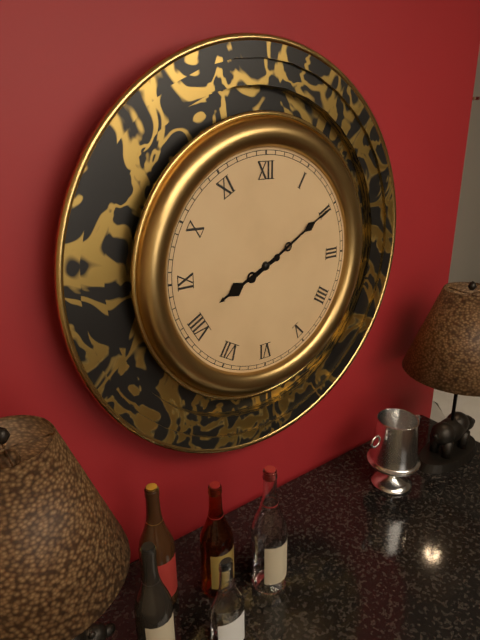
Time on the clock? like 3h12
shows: 8h10
